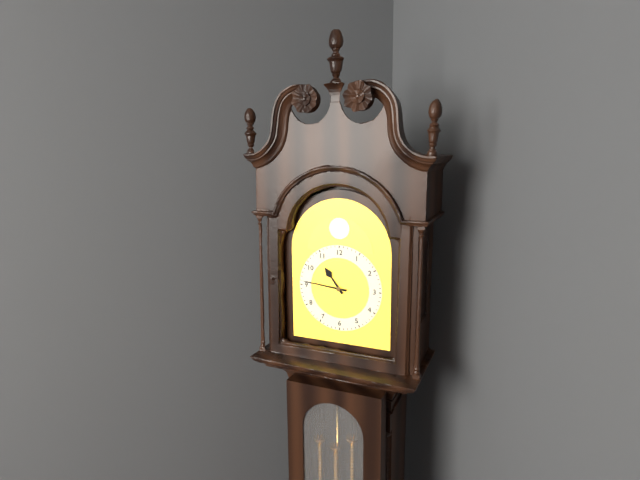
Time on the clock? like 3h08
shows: 10h46
